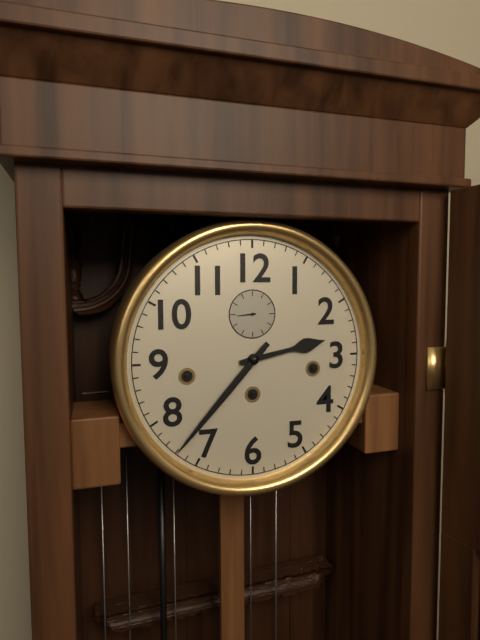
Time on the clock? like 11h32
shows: 2h37
